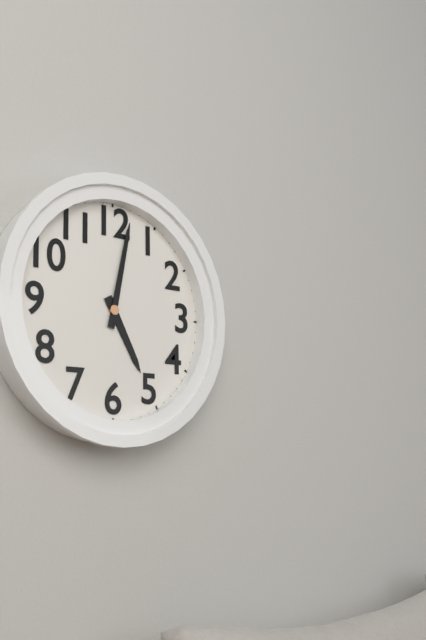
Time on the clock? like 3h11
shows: 5h02
